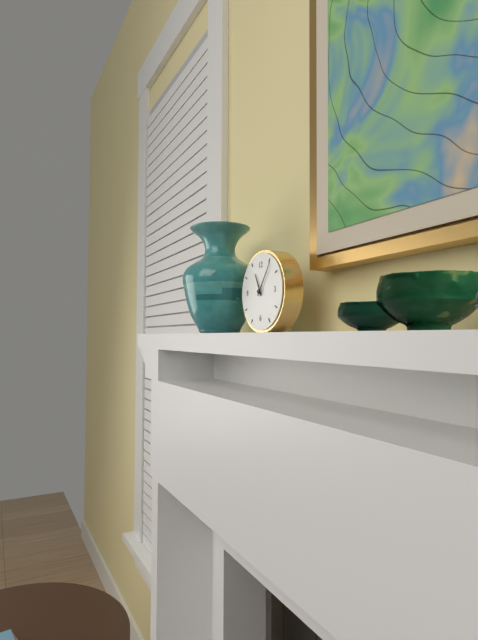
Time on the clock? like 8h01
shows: 11h06
